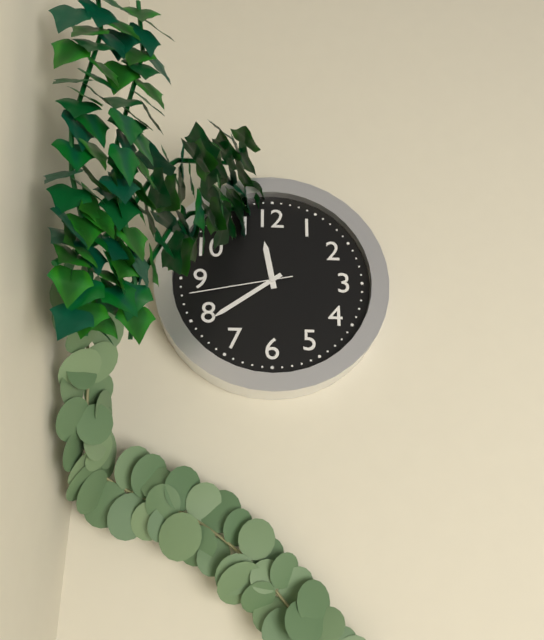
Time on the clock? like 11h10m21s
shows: 11h39m43s
